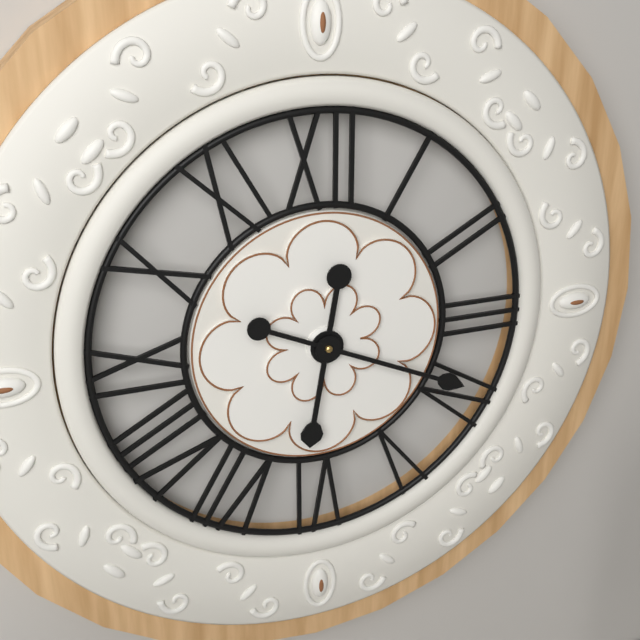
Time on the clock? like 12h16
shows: 6h19
